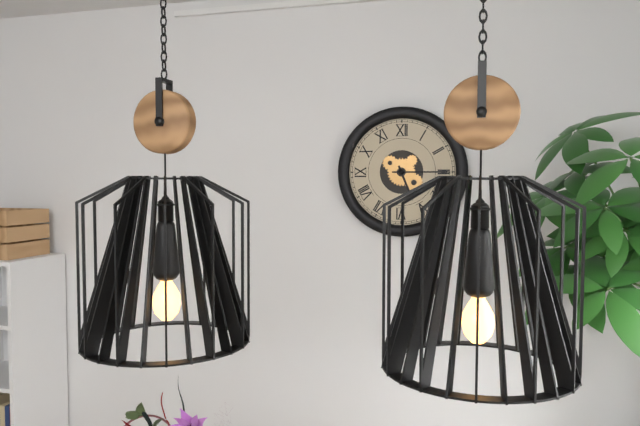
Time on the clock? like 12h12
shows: 5h15
